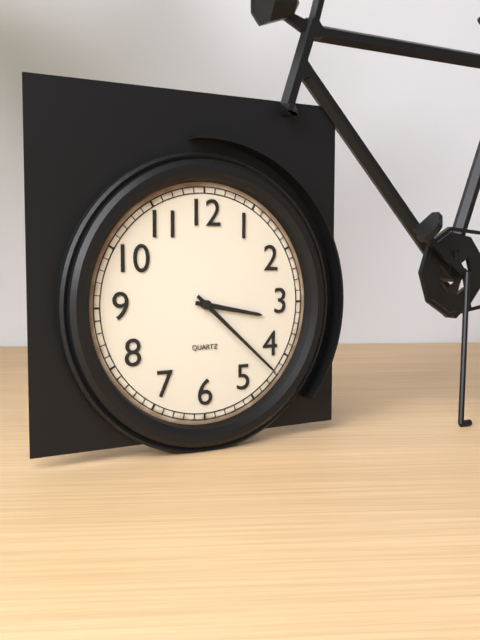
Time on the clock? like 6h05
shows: 3h22
